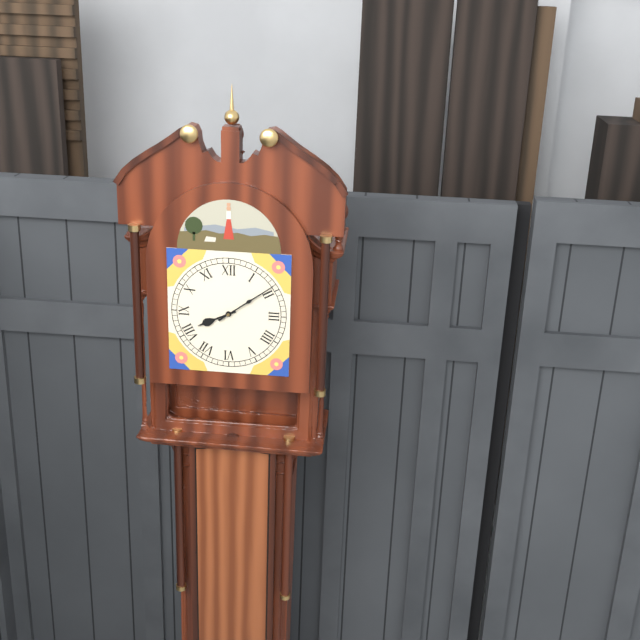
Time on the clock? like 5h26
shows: 8h09
